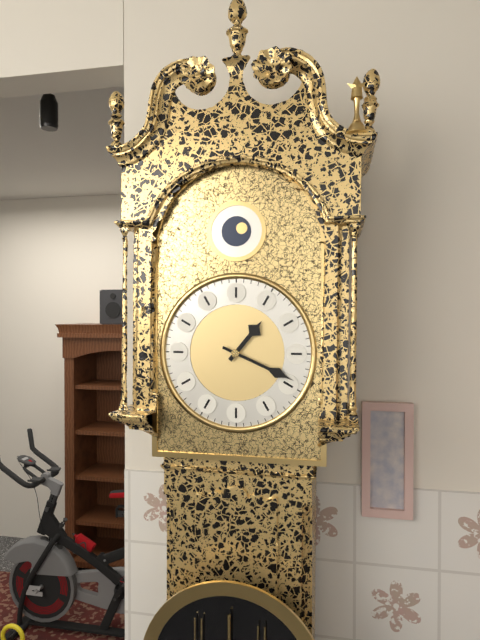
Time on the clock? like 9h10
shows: 1h19
